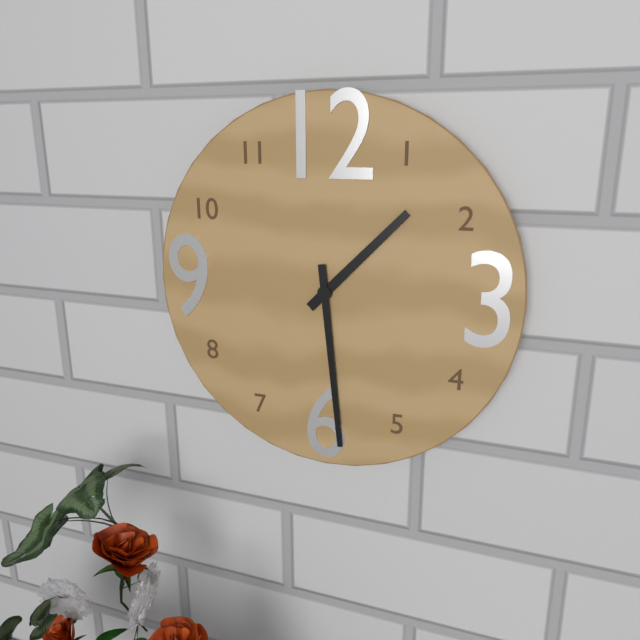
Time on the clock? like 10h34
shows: 1h29
